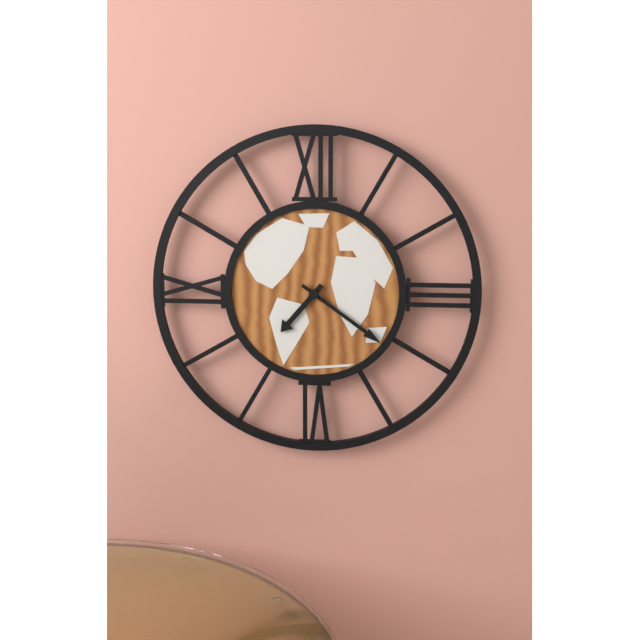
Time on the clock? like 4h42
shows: 7h21
